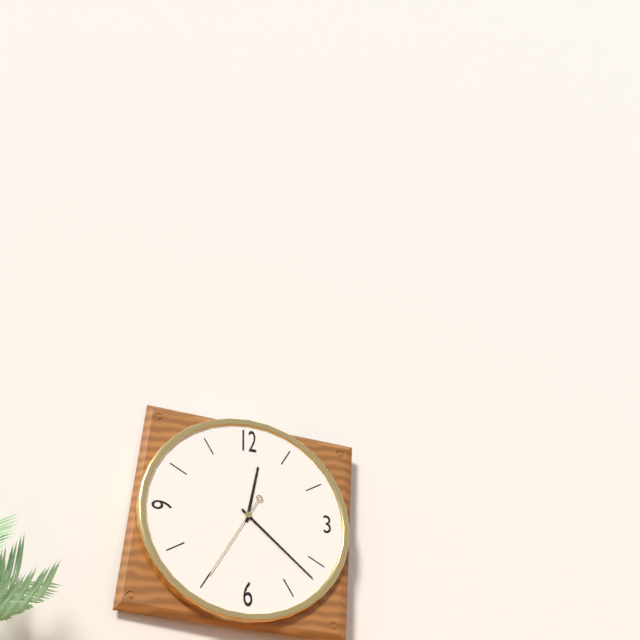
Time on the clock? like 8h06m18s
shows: 12h22m35s
